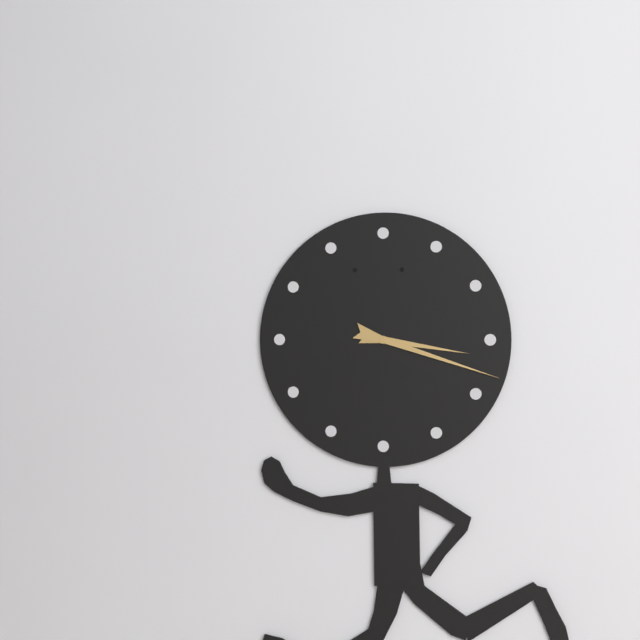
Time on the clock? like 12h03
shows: 3h18
